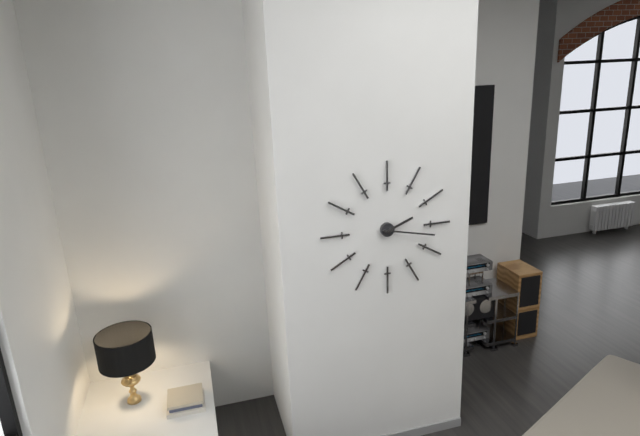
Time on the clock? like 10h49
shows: 2h17
